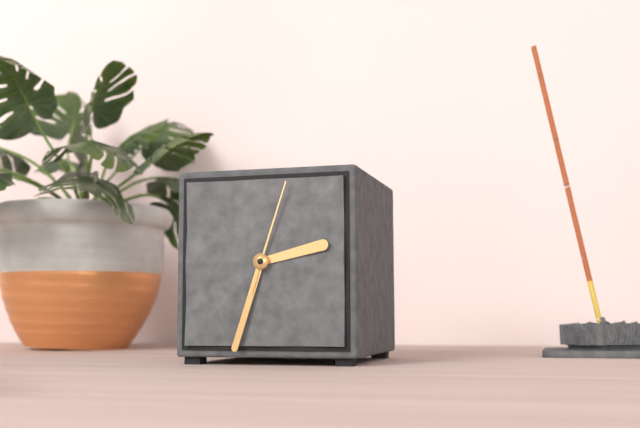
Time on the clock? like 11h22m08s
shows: 2h33m03s
